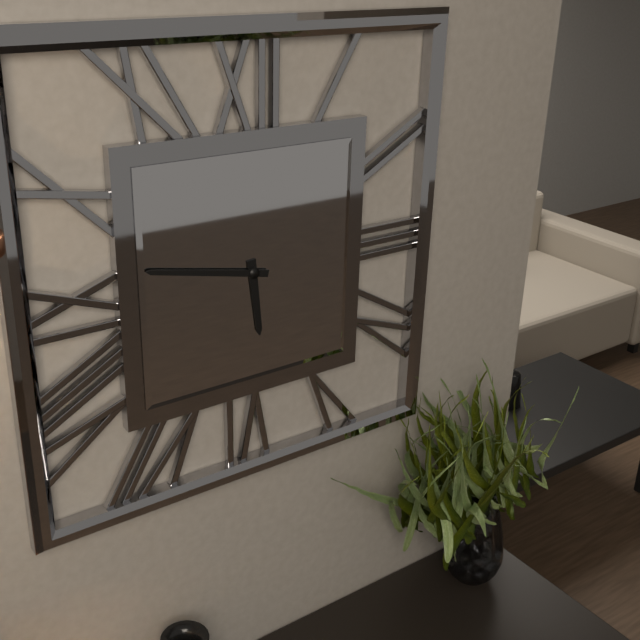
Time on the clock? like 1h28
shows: 5h47
